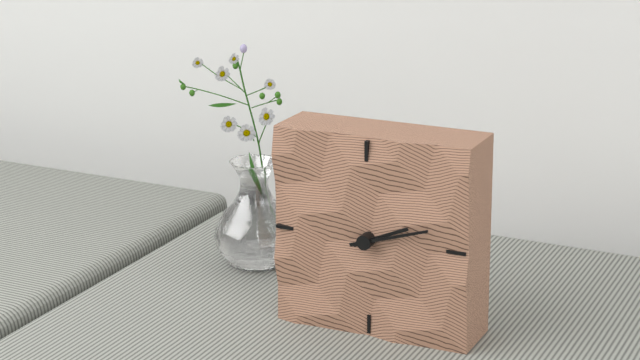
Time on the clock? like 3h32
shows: 2h12
